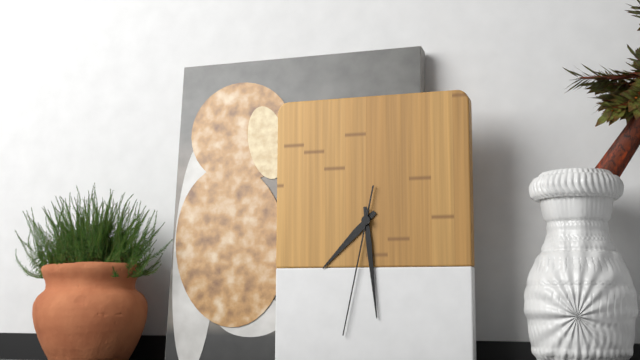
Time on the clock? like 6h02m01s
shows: 7h29m32s
